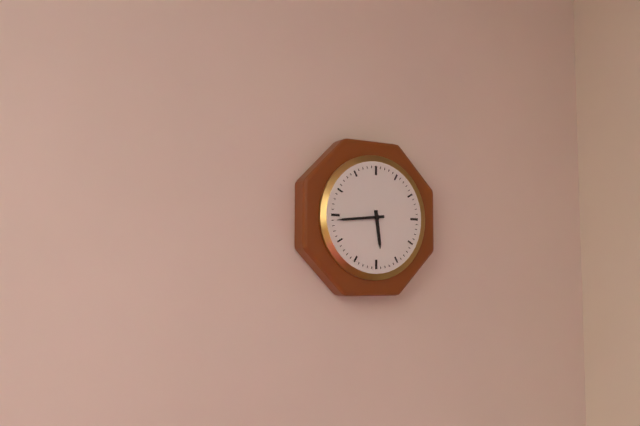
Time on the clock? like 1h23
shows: 5h44
